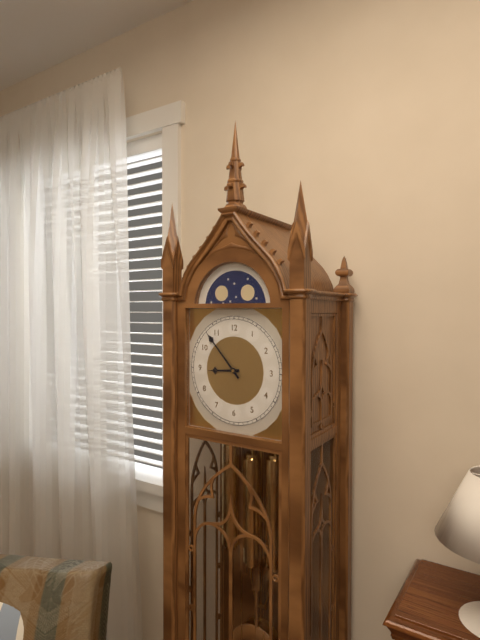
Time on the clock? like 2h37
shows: 8h53
